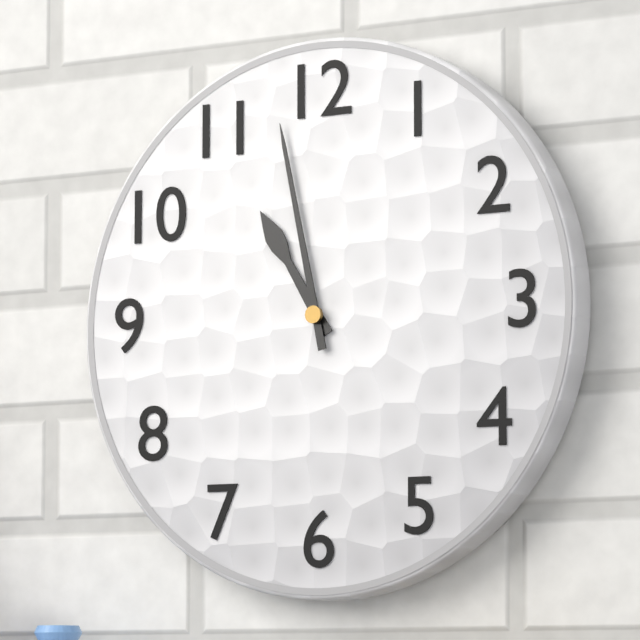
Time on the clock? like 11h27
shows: 10h58
